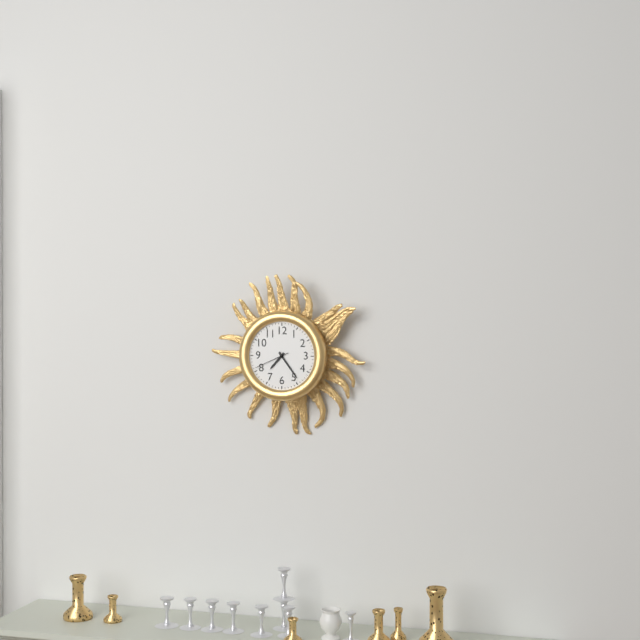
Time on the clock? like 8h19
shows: 7h24
